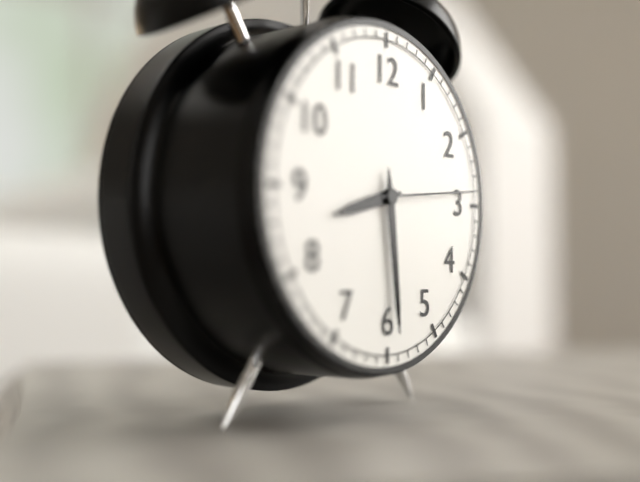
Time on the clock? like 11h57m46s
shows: 8h29m14s
